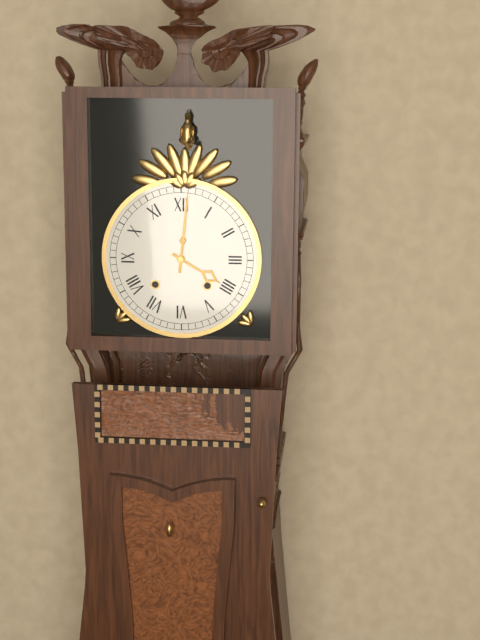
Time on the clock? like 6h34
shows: 4h01
